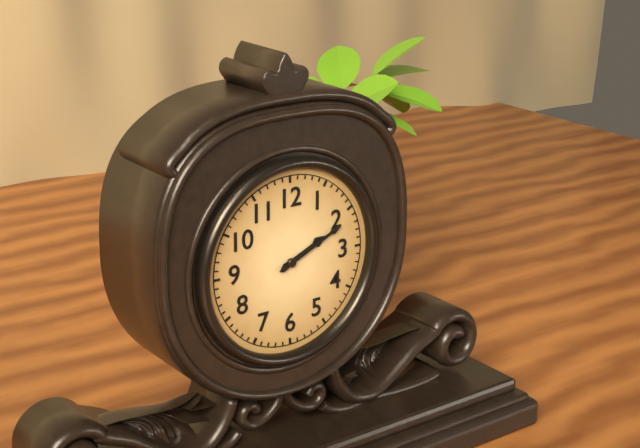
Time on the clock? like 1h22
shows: 2h11
